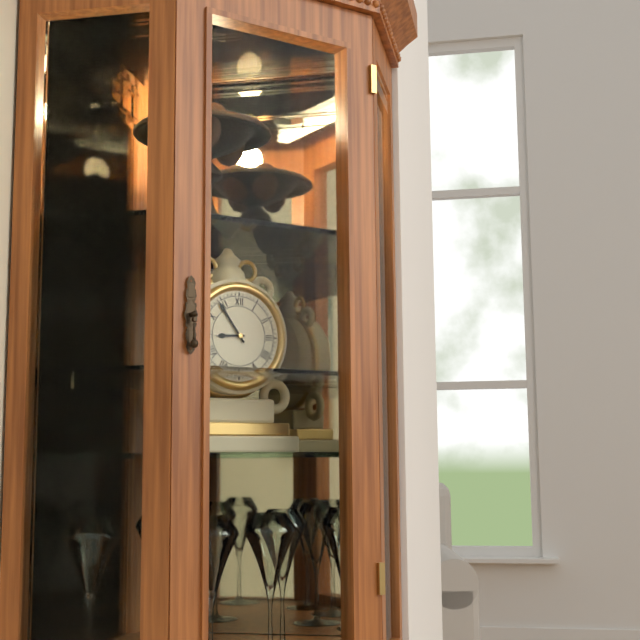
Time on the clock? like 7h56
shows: 8h54
